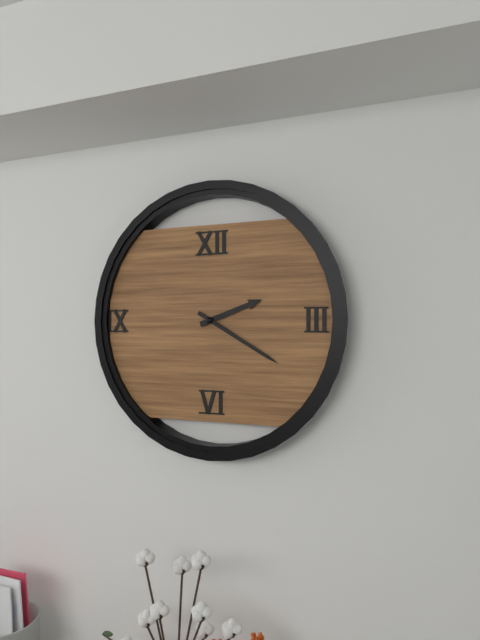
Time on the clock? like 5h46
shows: 2h20
